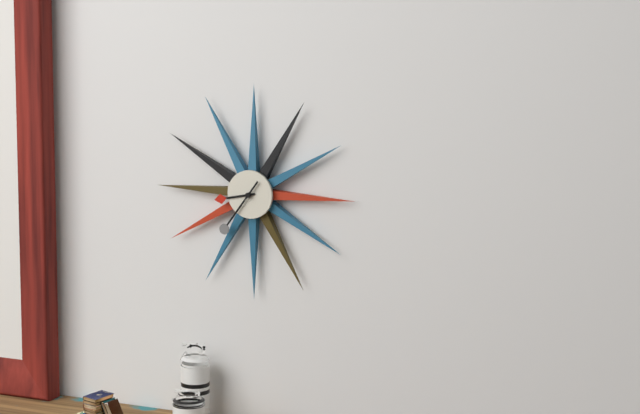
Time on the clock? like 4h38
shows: 8h36
